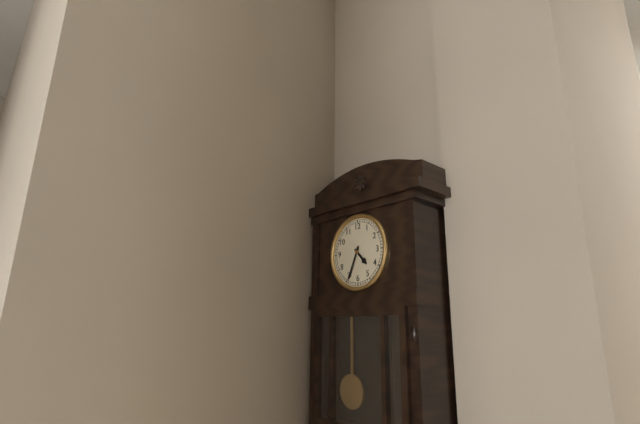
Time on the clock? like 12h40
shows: 4h34
